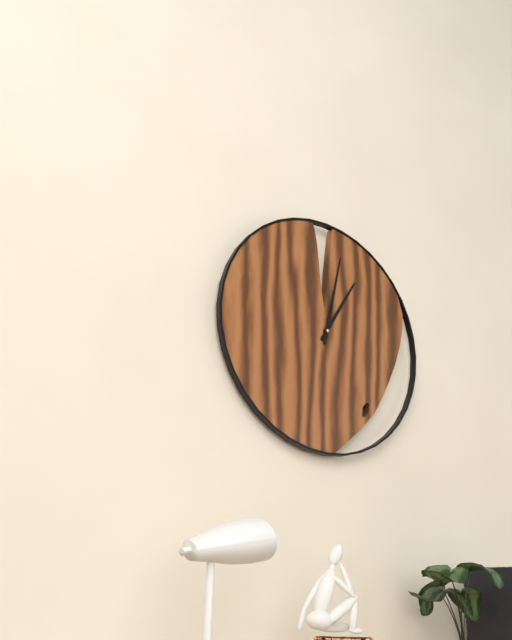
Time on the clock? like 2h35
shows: 1h02
